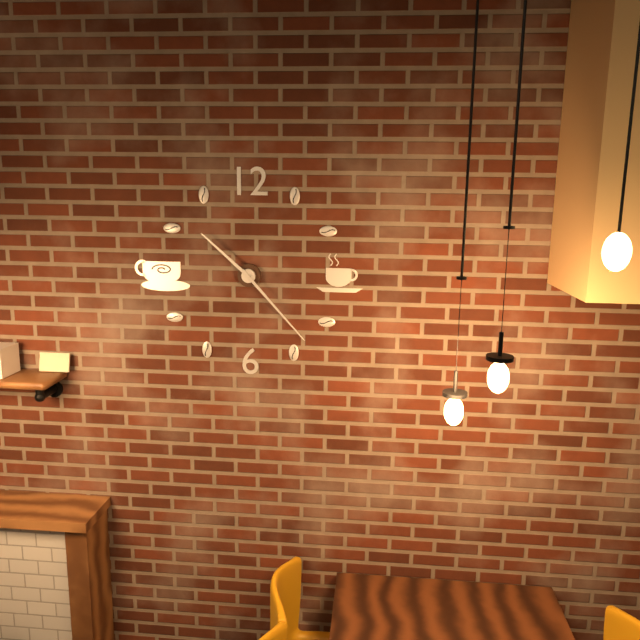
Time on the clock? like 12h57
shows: 10h23
